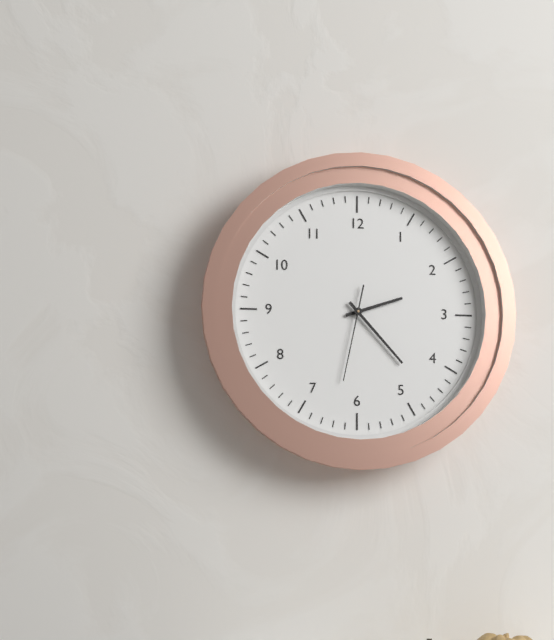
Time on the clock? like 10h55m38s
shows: 2h23m32s
